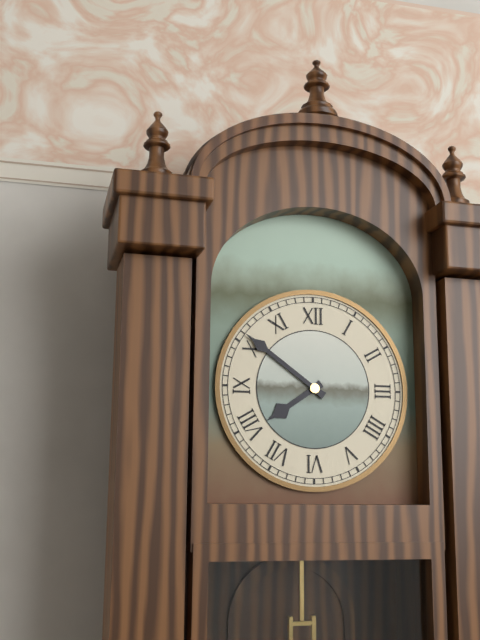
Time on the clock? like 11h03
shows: 7h51
